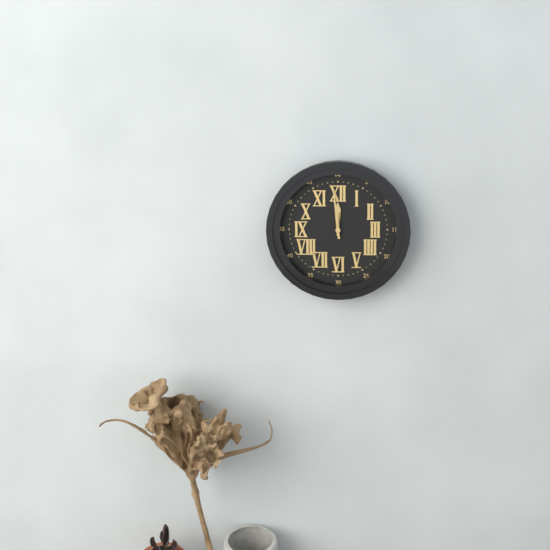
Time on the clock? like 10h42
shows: 11h59
